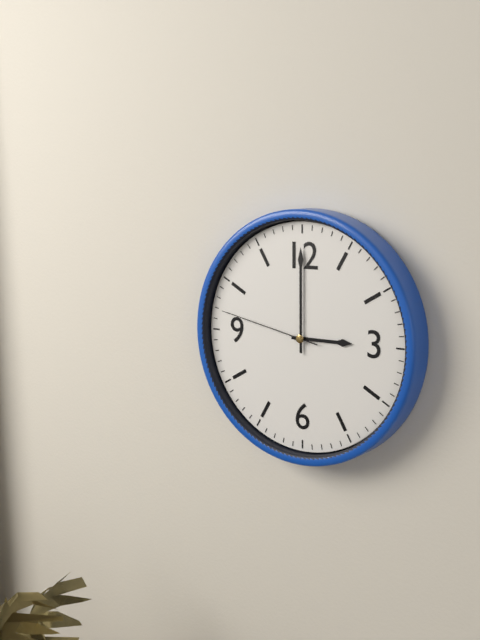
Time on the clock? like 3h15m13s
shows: 3h00m47s
